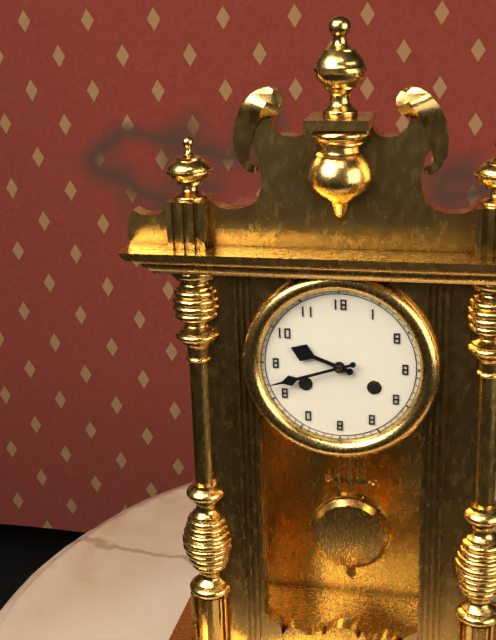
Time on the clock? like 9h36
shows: 9h42
